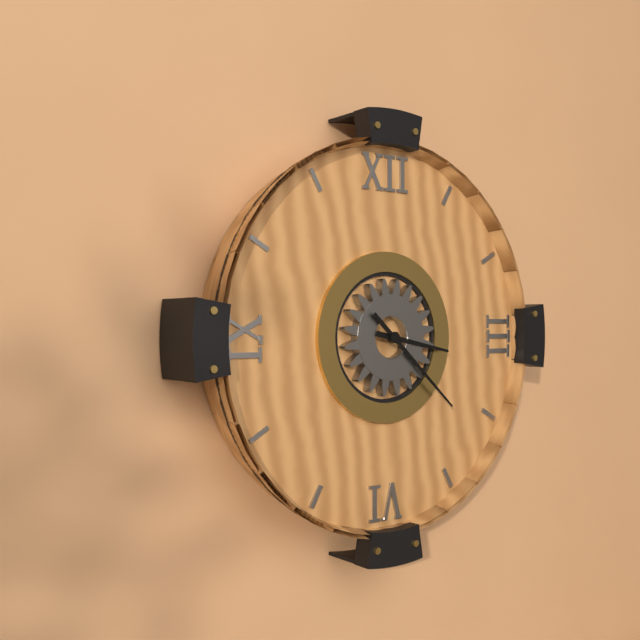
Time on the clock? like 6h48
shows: 3h22
